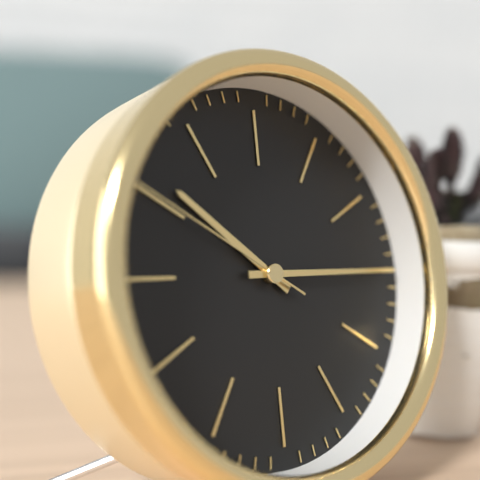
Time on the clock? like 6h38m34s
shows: 10h15m50s
